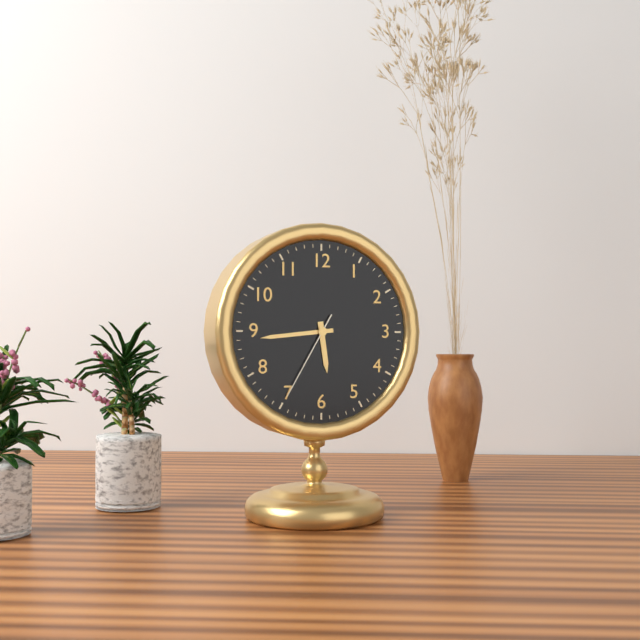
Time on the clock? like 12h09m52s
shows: 5h44m35s
